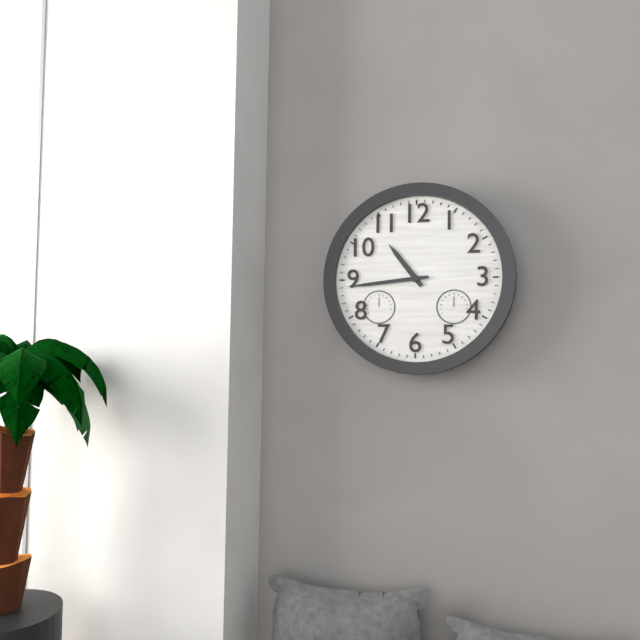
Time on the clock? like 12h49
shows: 10h44
